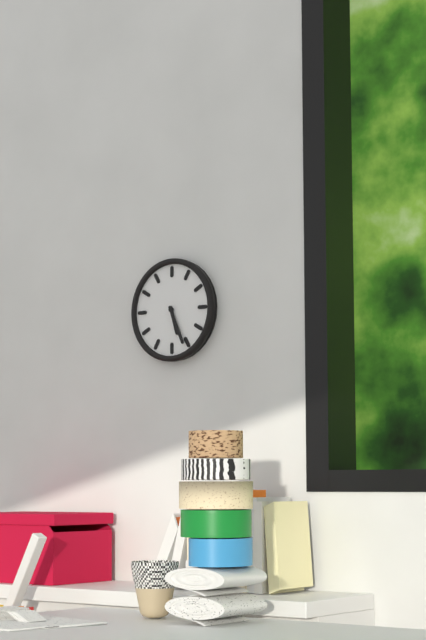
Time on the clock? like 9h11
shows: 5h26
